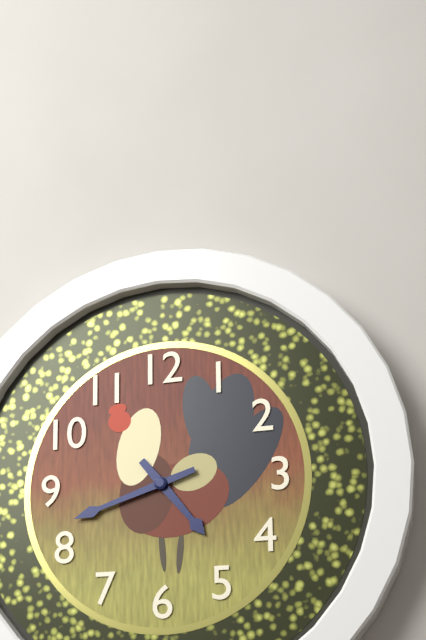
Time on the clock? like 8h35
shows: 4h42
